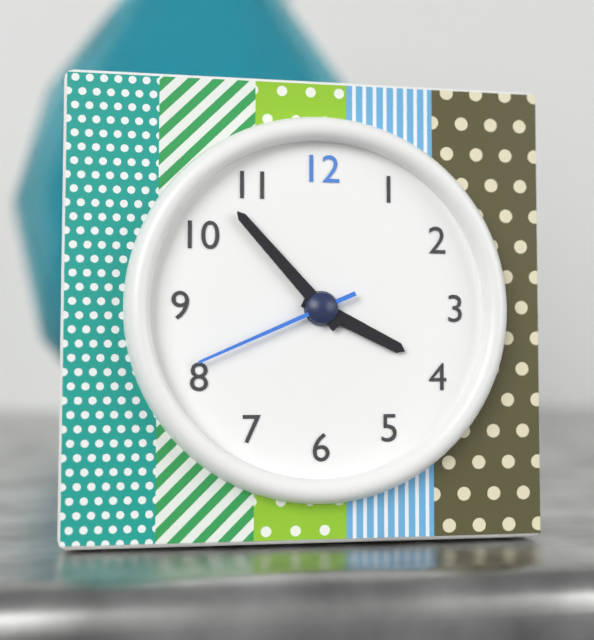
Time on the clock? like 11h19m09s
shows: 3h53m41s
